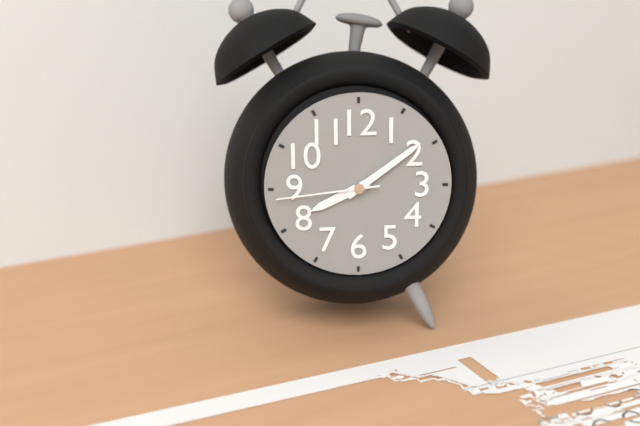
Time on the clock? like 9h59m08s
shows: 8h09m44s
